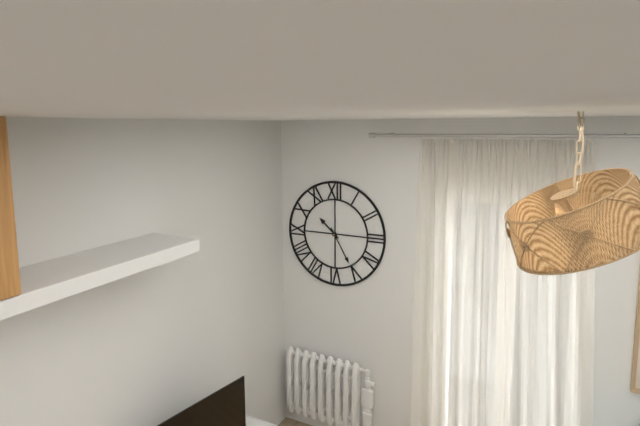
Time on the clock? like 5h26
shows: 10h25
